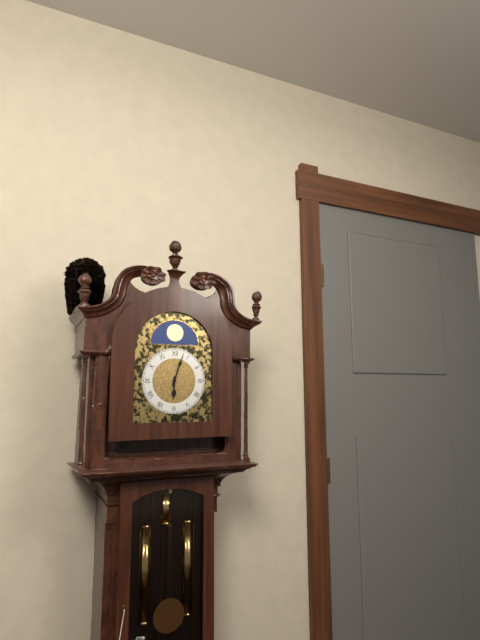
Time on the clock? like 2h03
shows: 6h03
